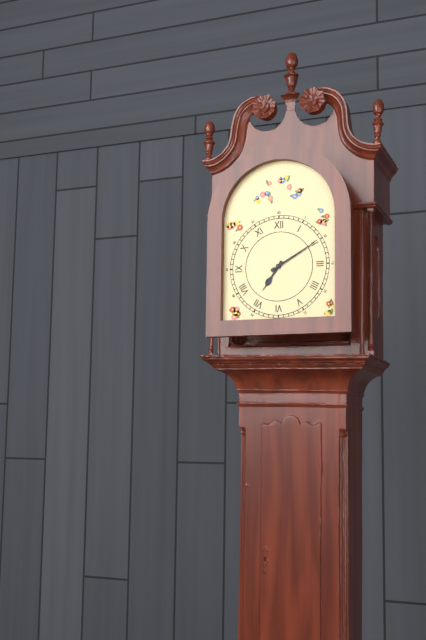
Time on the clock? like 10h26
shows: 7h10
